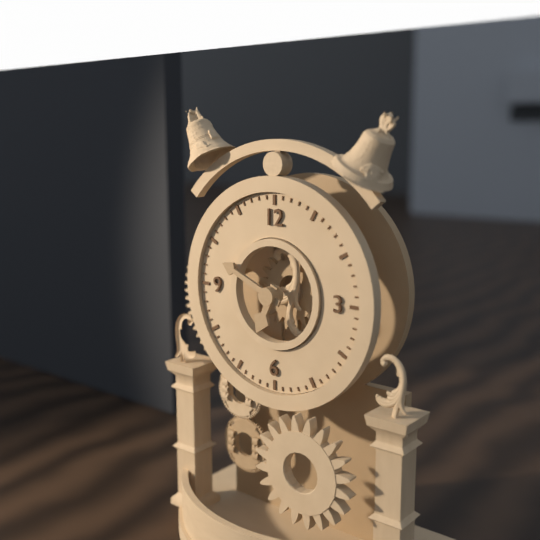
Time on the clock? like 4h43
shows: 6h49
